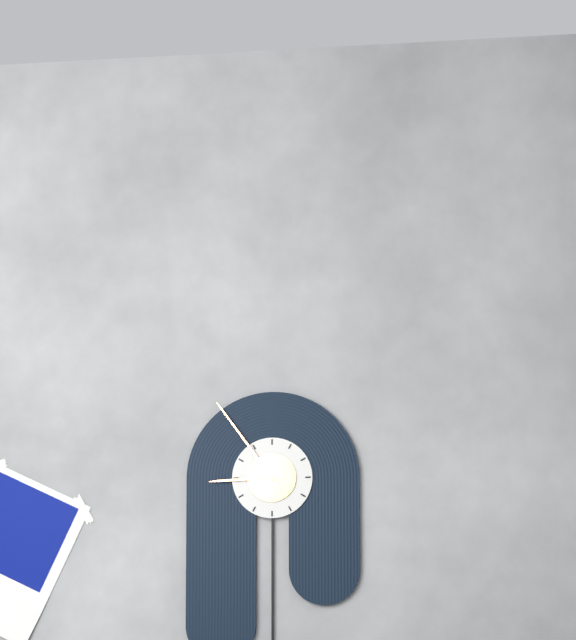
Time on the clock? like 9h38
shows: 8h54
